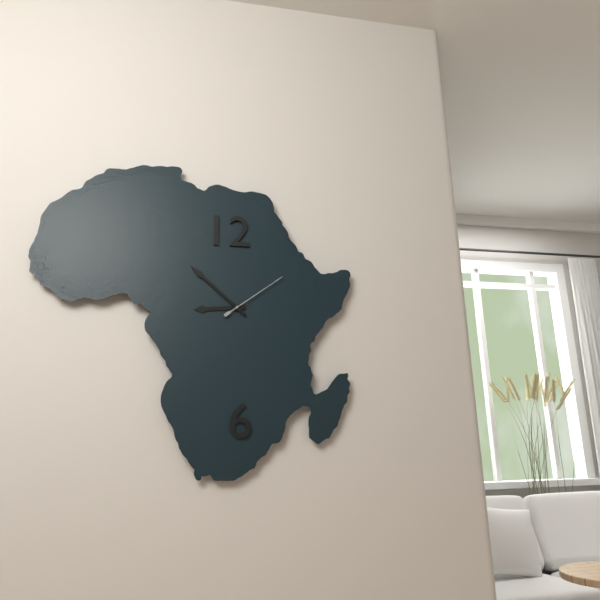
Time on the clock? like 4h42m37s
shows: 8h52m09s
